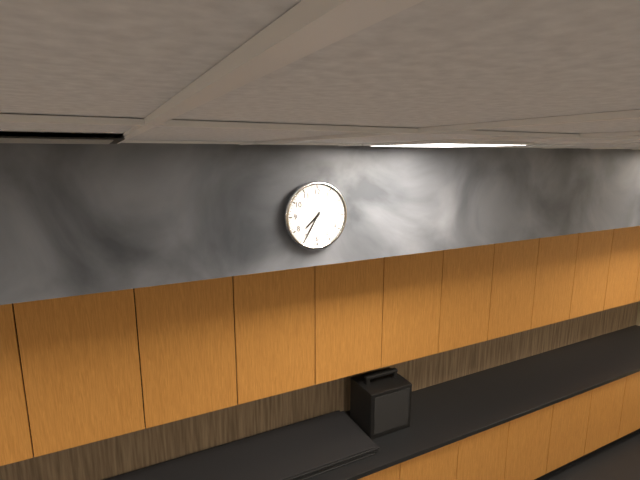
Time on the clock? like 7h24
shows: 7h35
